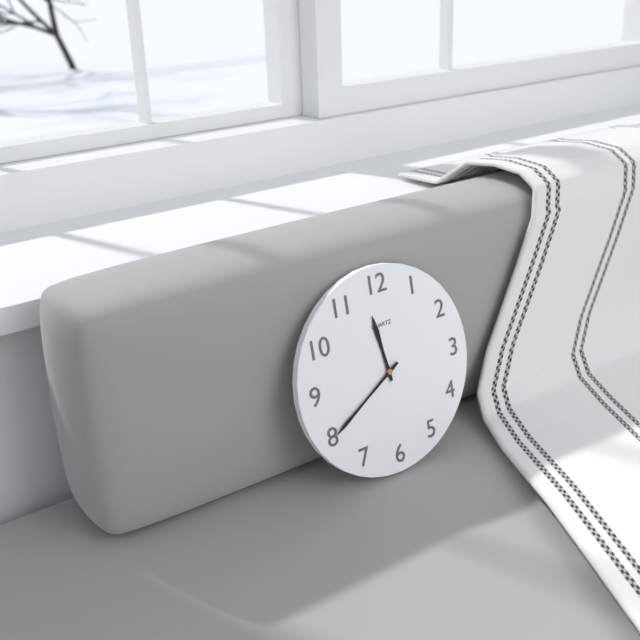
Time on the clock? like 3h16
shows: 11h40
